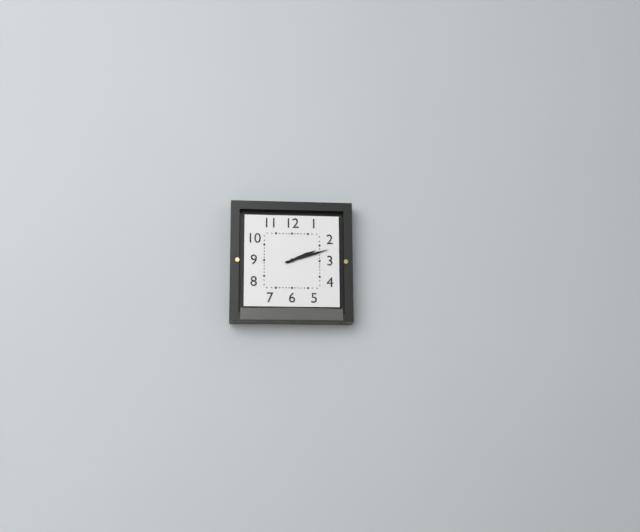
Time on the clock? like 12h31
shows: 2h12
